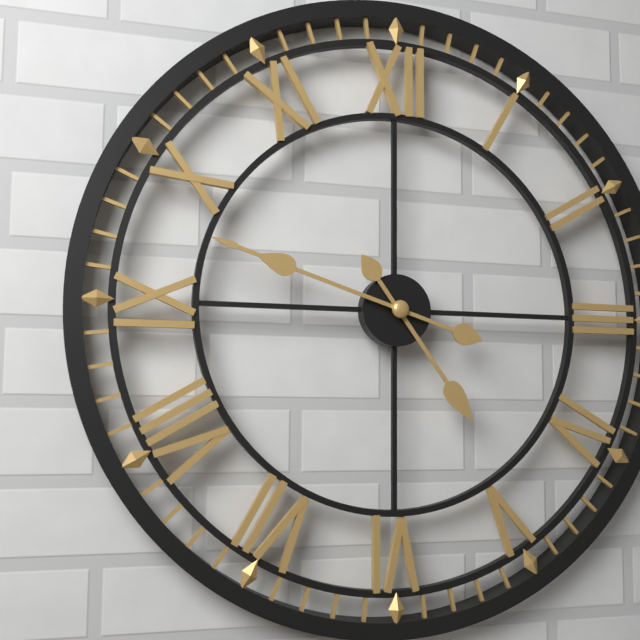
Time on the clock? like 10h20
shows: 4h48
